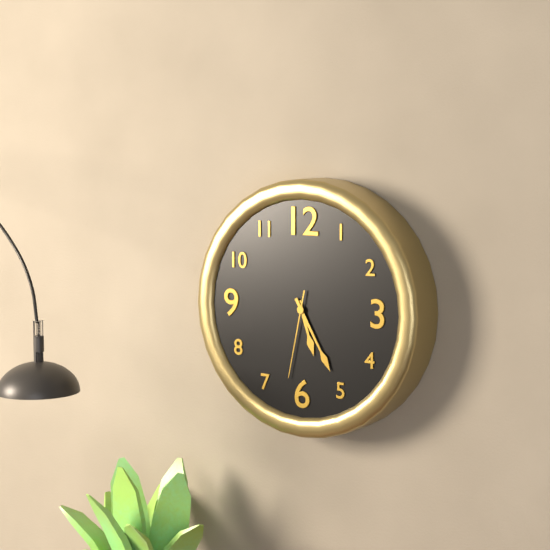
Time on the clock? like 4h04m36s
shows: 5h25m32s
